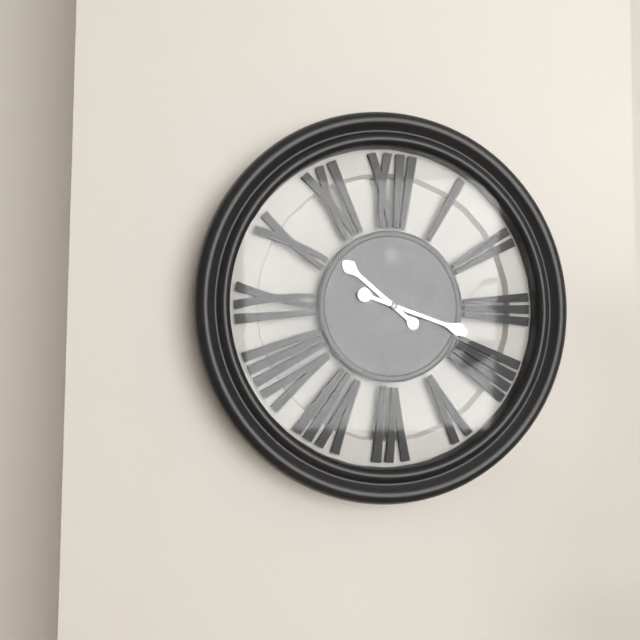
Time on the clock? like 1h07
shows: 10h18
